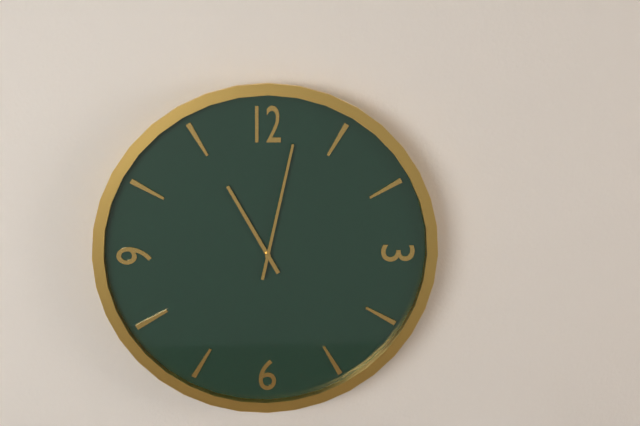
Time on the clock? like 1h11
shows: 11h02
